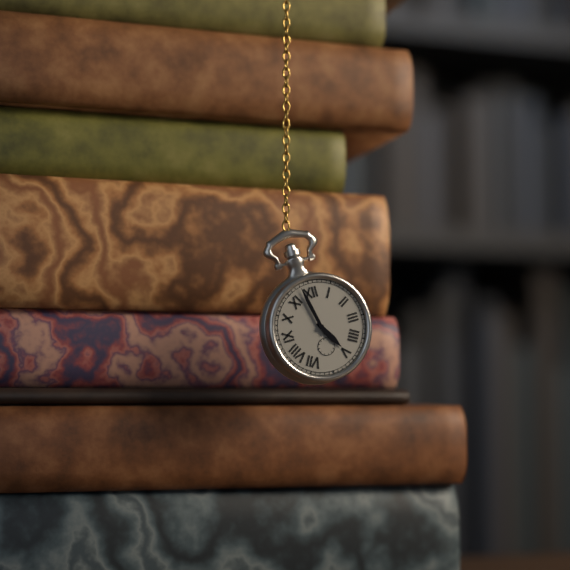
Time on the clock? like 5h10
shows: 4h58
